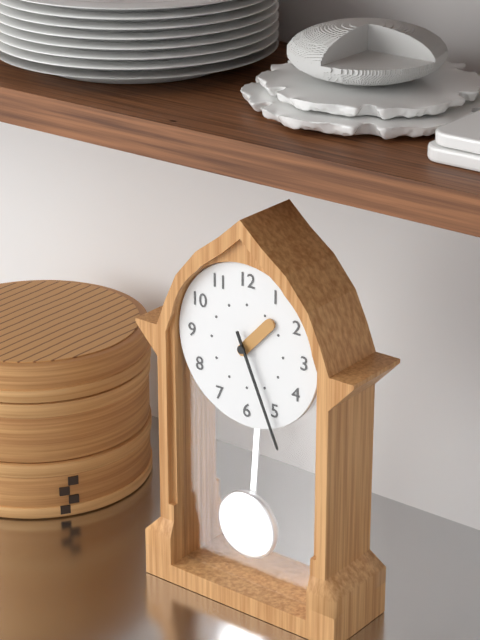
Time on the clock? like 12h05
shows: 1h26
